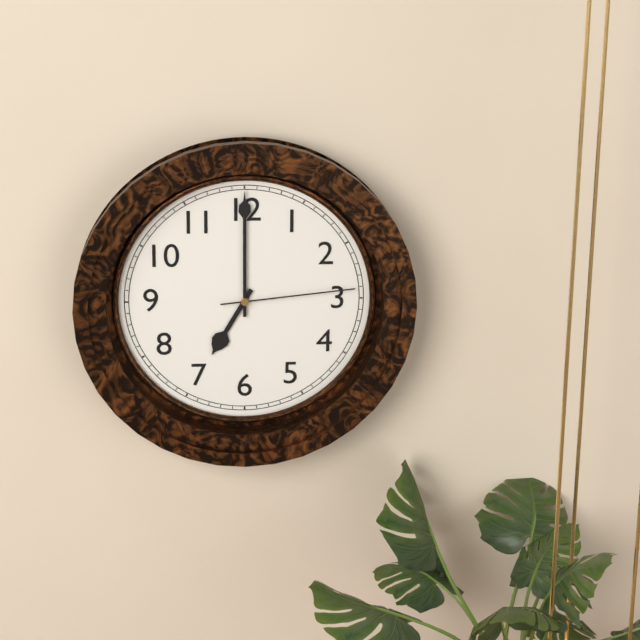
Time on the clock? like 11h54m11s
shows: 7h00m14s
